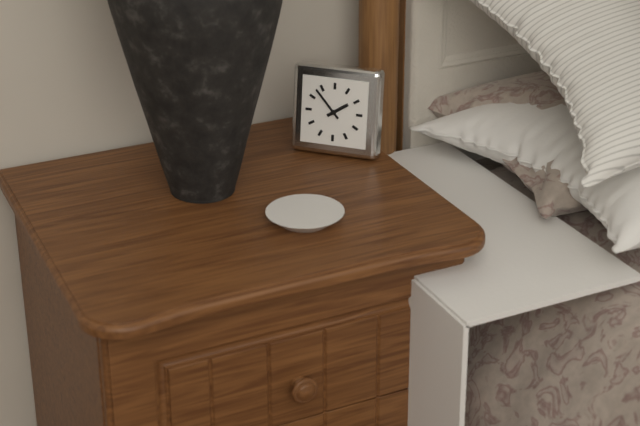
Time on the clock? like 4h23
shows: 1h53
